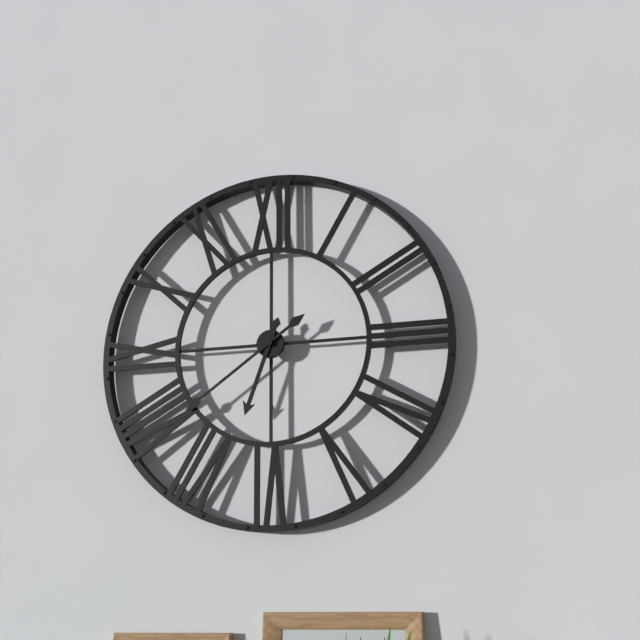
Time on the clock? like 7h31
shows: 6h39
